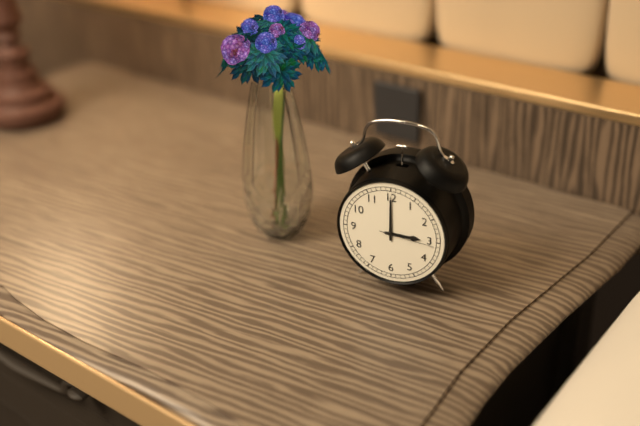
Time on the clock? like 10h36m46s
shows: 3h00m16s
